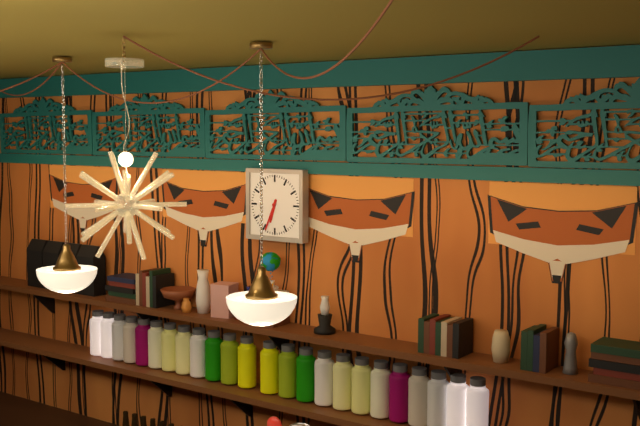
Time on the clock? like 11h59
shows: 6h34
